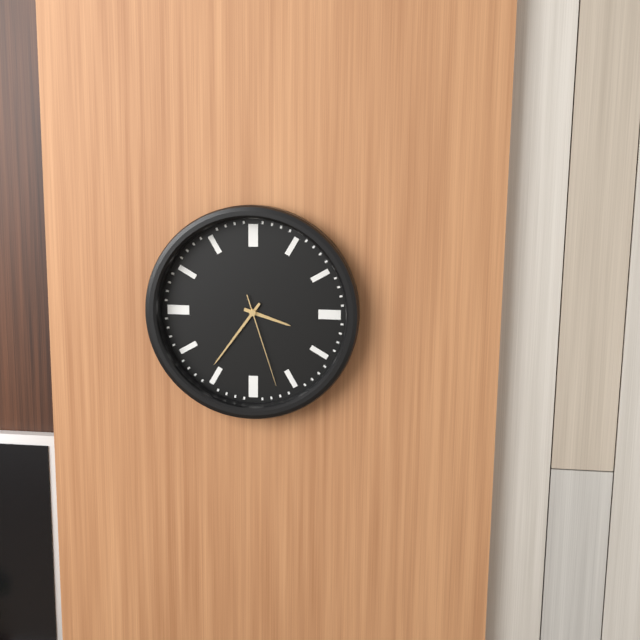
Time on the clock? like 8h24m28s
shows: 3h36m27s
